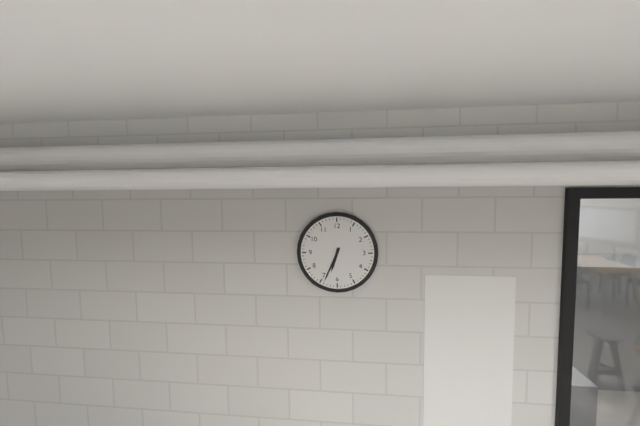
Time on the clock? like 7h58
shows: 6h34
